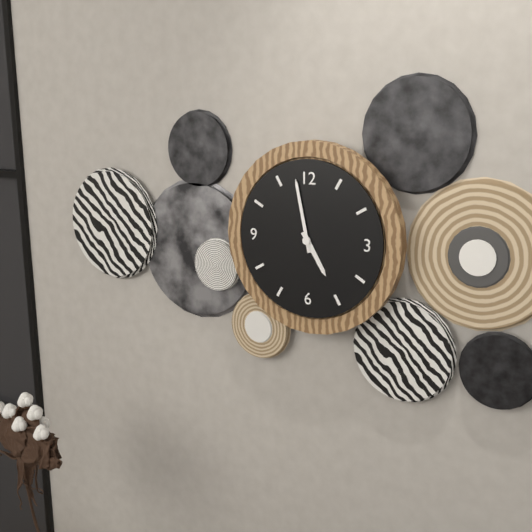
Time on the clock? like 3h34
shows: 4h58
